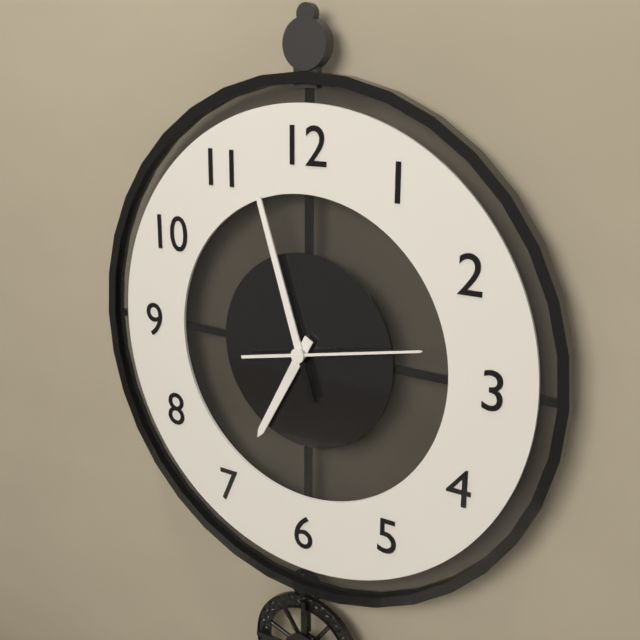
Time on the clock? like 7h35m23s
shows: 6h57m13s
